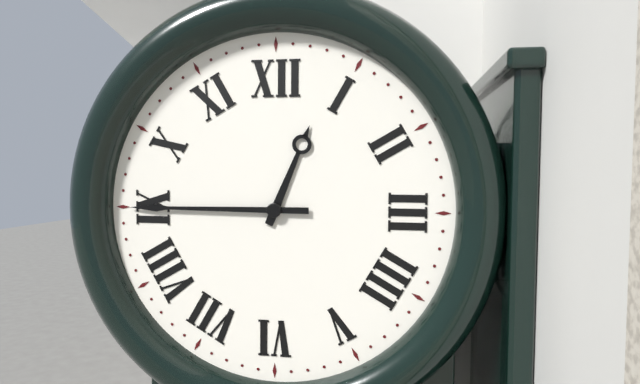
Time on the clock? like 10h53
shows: 12h45
